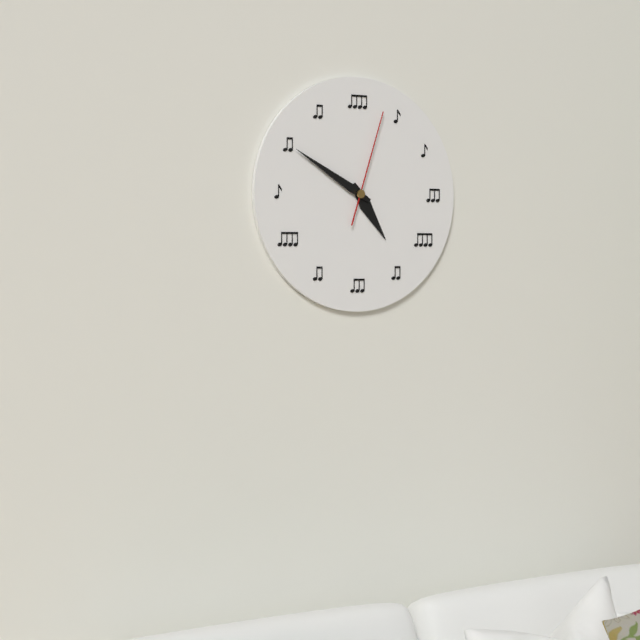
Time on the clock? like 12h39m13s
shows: 4h50m03s
